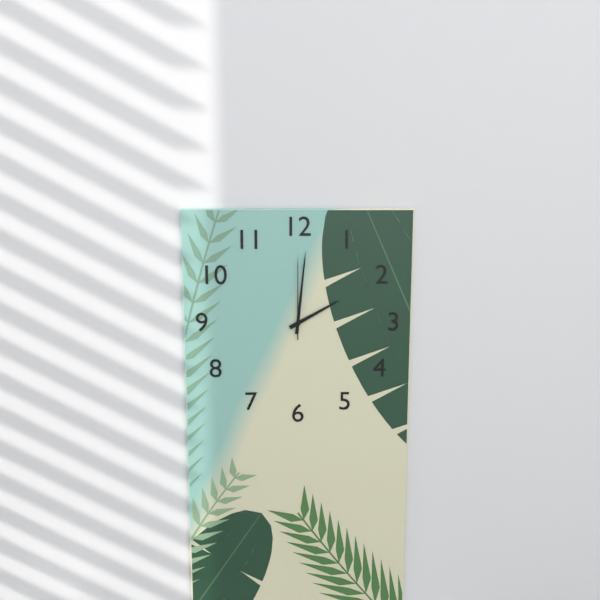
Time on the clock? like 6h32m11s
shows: 2h01m00s
